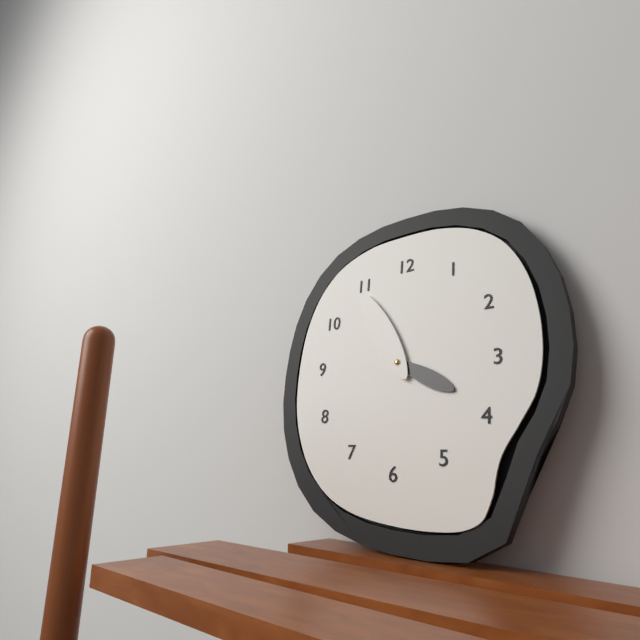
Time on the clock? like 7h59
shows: 3h55
